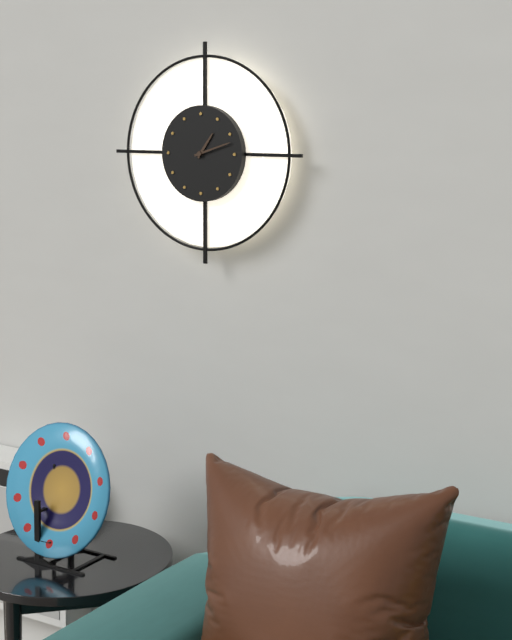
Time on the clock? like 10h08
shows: 1h12
